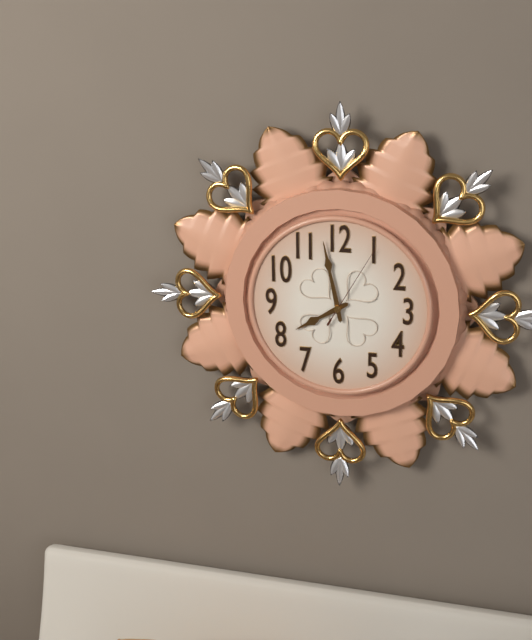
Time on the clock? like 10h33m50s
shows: 7h58m05s
